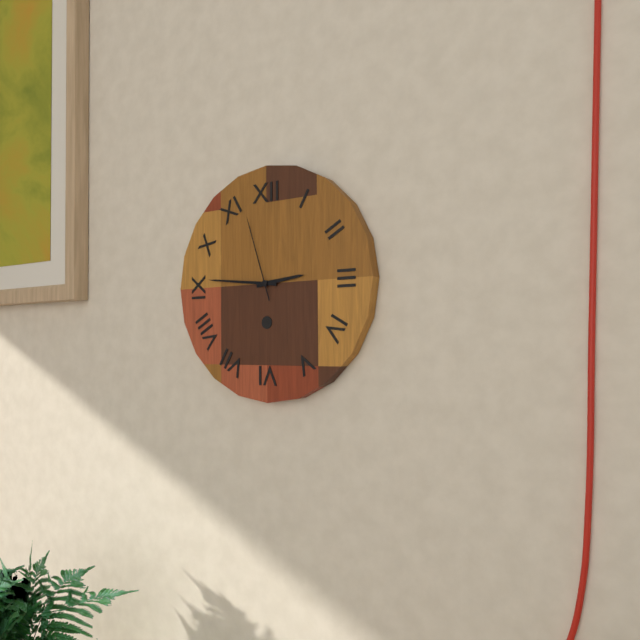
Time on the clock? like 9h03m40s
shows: 2h46m57s
